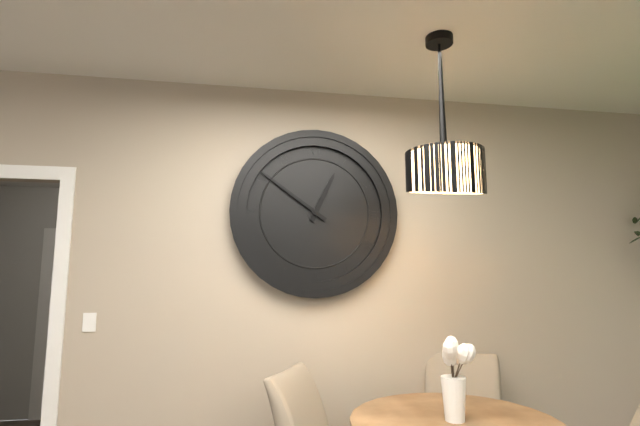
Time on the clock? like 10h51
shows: 12h51
